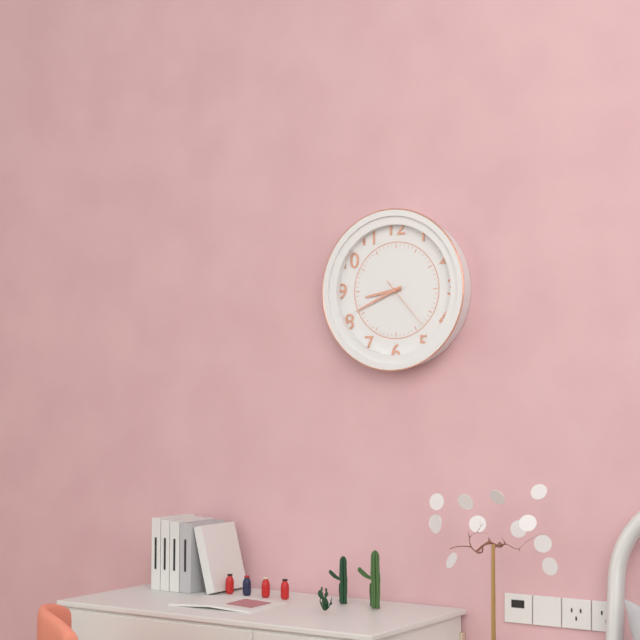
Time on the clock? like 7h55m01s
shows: 8h41m23s
